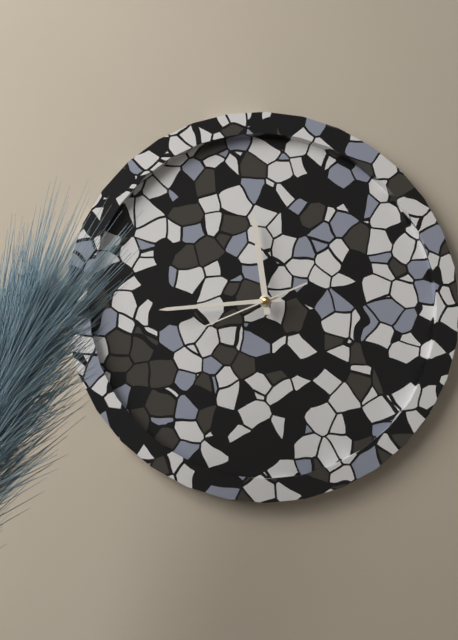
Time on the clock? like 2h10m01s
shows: 11h44m41s
